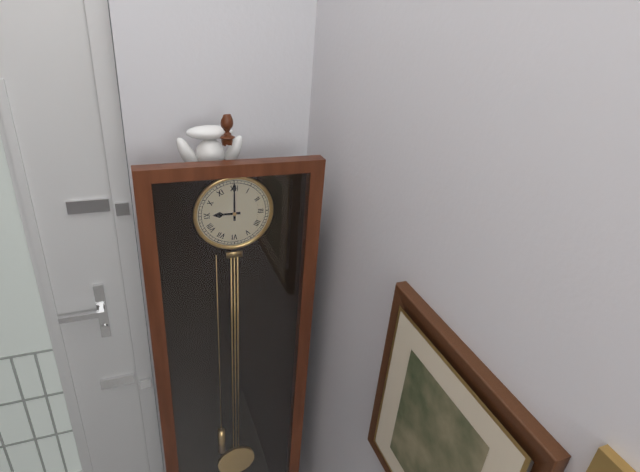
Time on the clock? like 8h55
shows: 9h00
